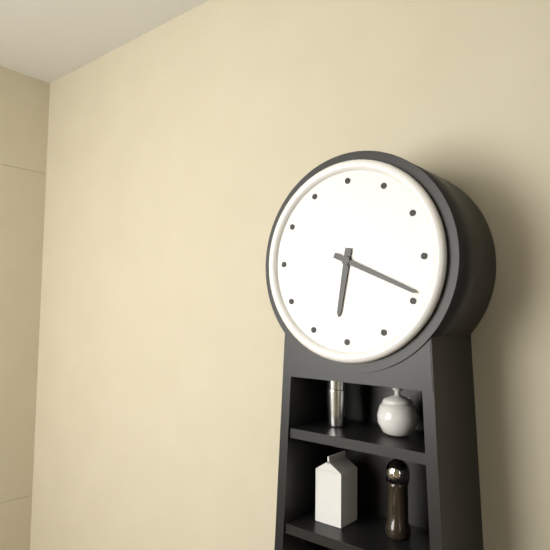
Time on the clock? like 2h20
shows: 6h19
